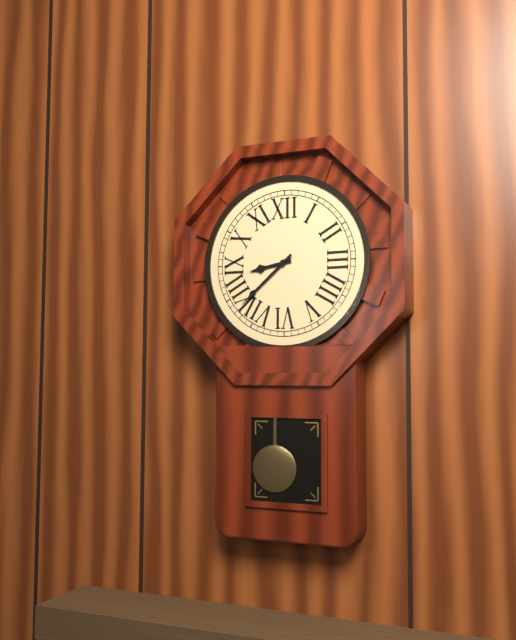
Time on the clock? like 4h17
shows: 8h38
